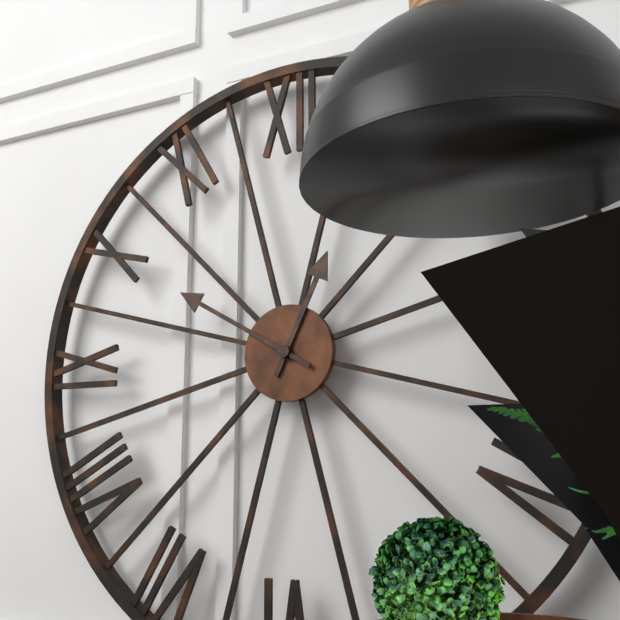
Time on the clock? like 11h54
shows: 12h50
